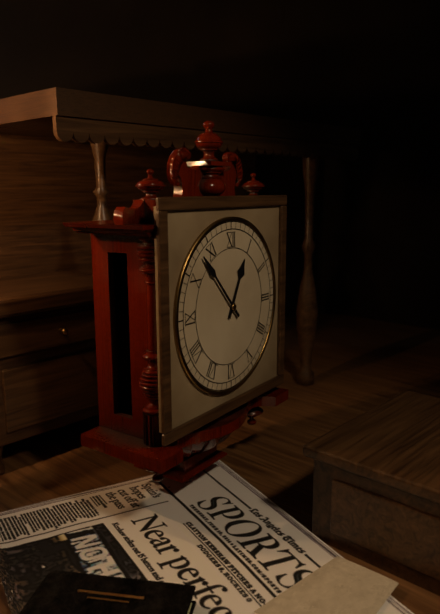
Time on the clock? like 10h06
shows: 12h53
